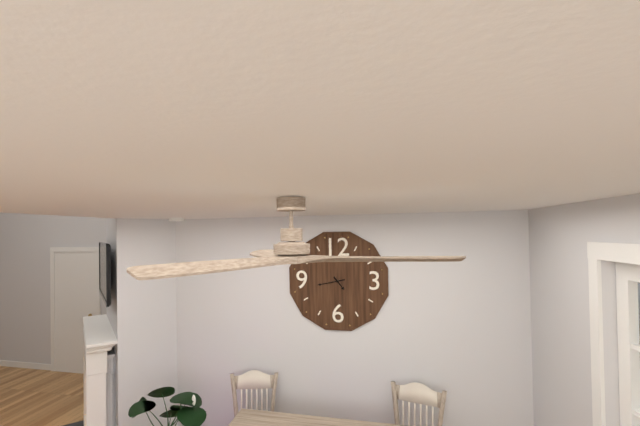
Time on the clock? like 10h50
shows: 4h43
